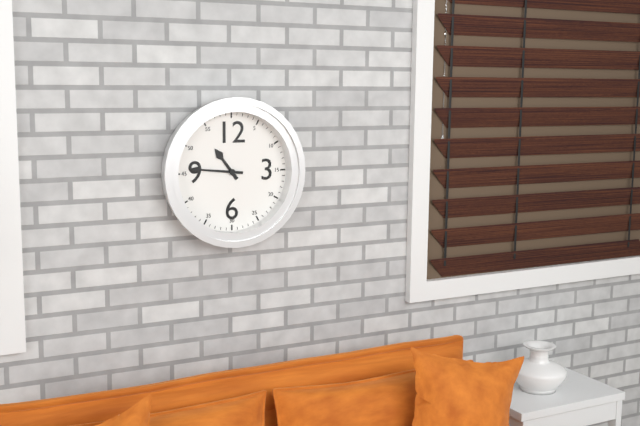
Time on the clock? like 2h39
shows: 10h46
